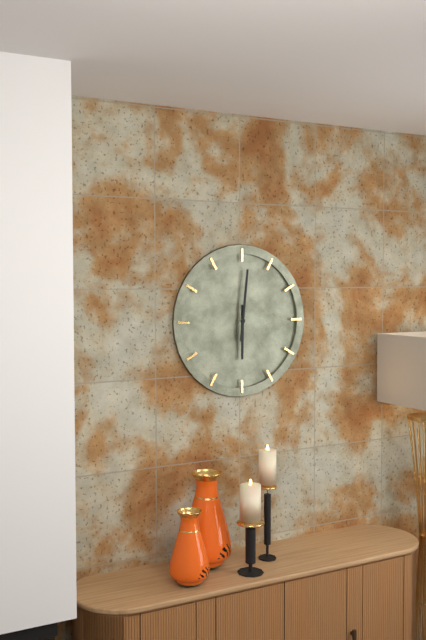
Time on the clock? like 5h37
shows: 6h01
